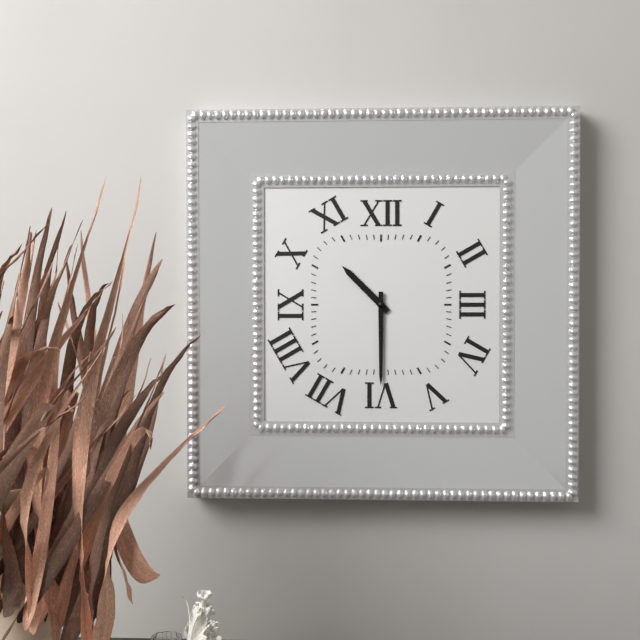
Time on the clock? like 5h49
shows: 10h30
